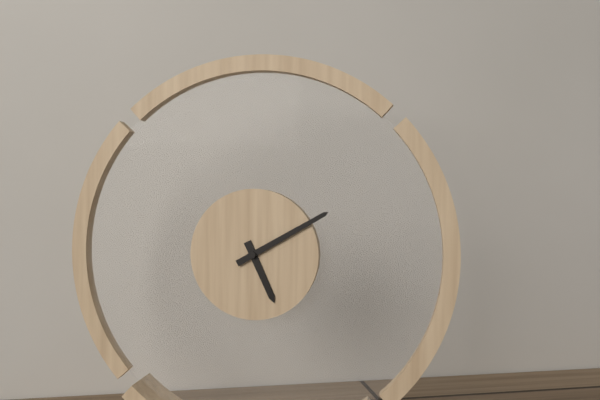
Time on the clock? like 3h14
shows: 5h10
